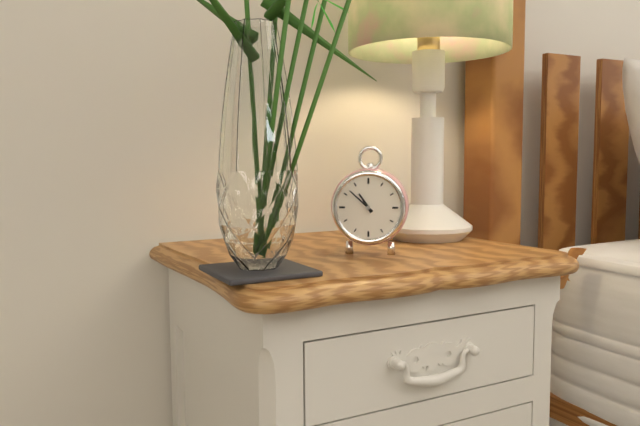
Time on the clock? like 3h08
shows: 10h52
